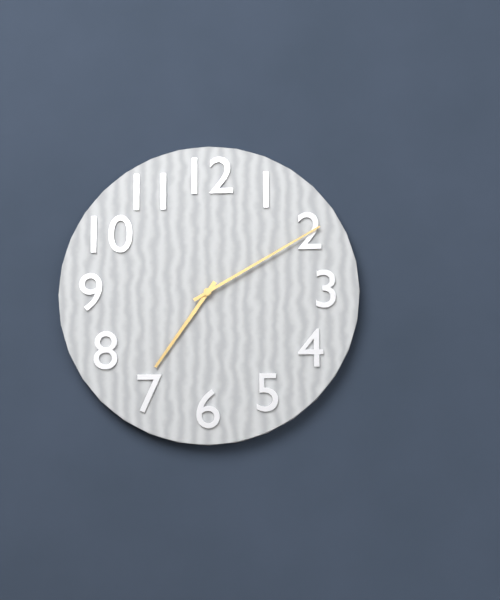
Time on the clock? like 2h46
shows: 7h10
